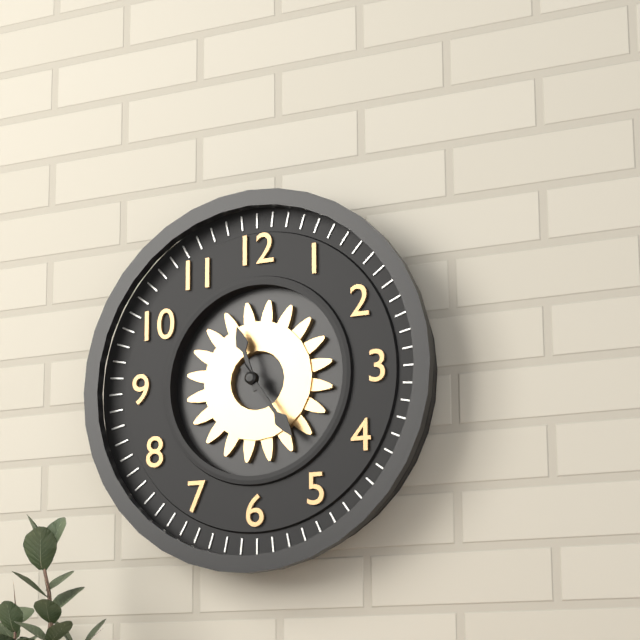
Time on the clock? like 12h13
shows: 11h24
